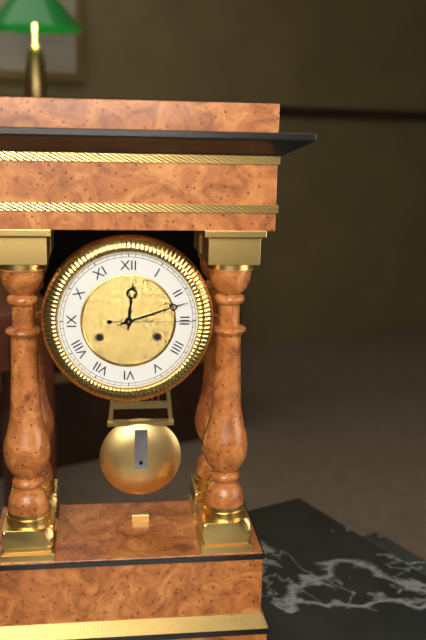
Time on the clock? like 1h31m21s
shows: 12h12m15s
